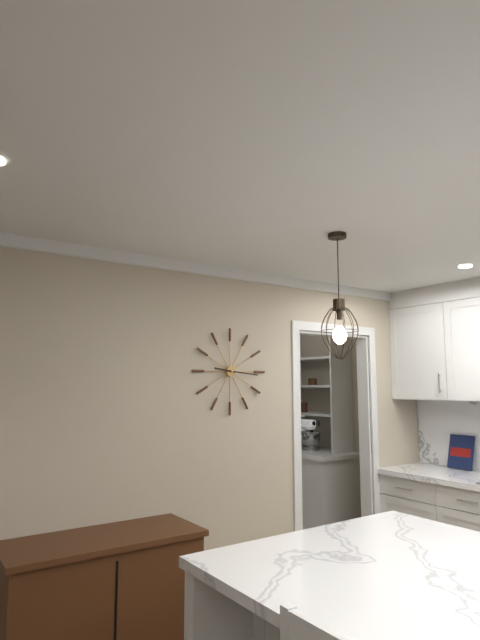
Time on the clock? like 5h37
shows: 9h16
